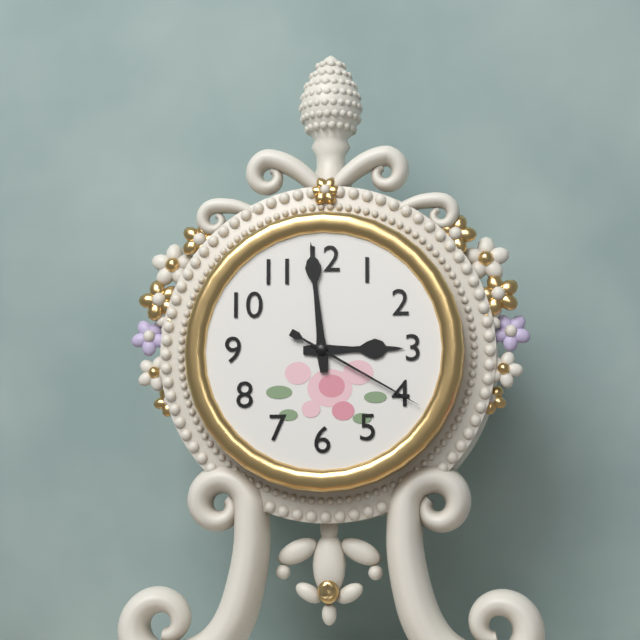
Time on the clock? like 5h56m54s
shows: 2h59m20s
